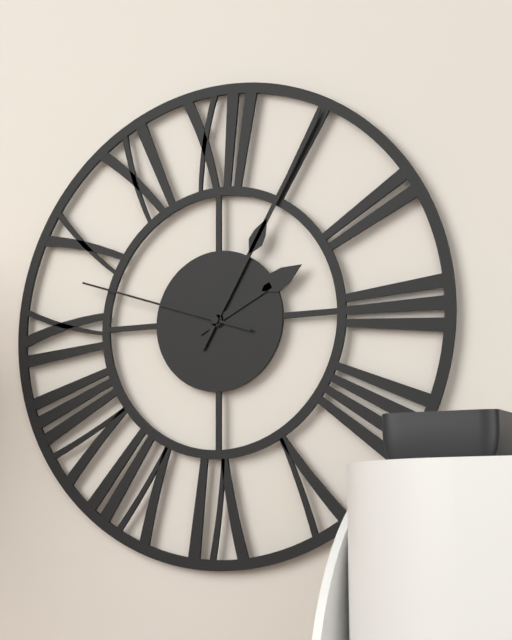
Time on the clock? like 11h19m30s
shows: 2h05m48s
